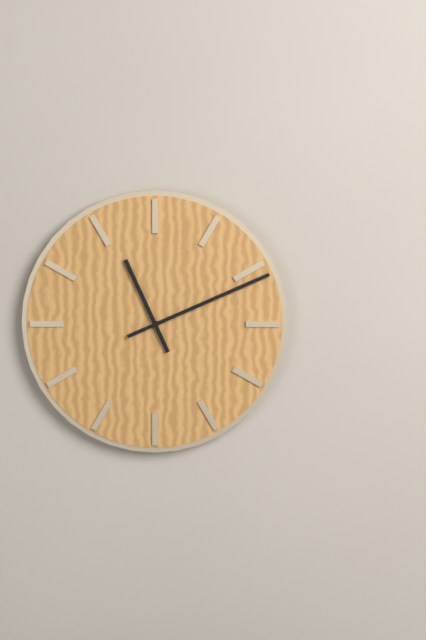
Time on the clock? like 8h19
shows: 11h11
